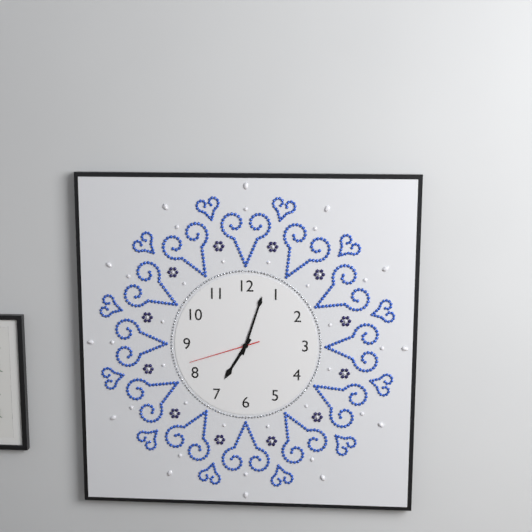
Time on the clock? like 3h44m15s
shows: 7h03m42s
